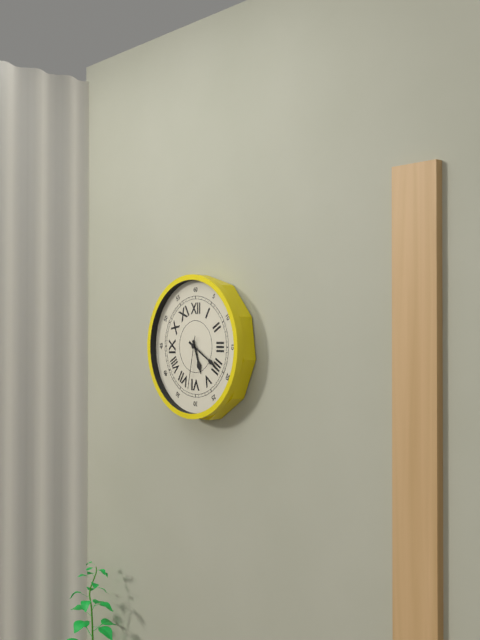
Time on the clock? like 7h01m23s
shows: 5h20m32s
